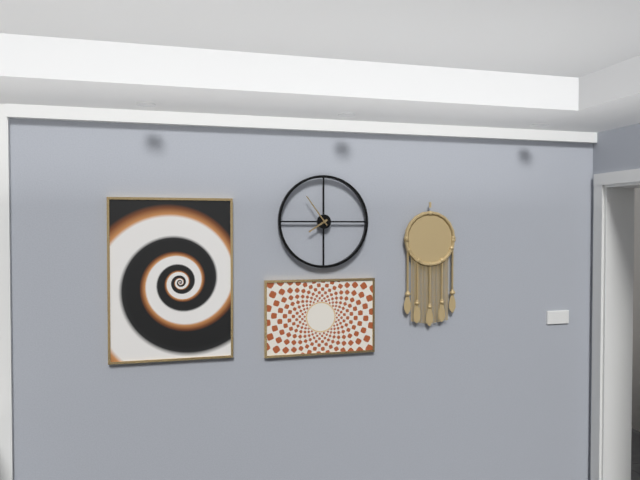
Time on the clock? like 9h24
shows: 7h54
